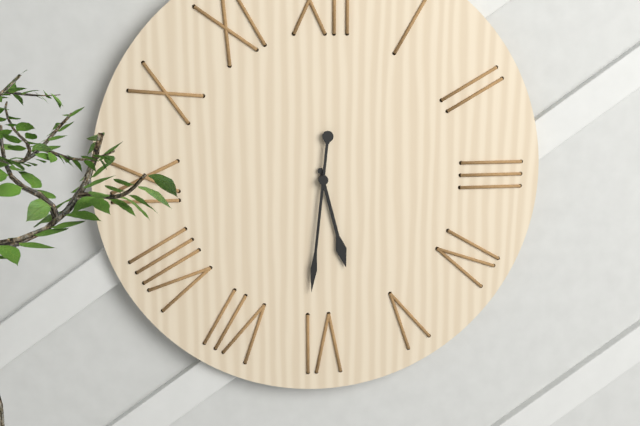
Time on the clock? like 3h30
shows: 5h31
